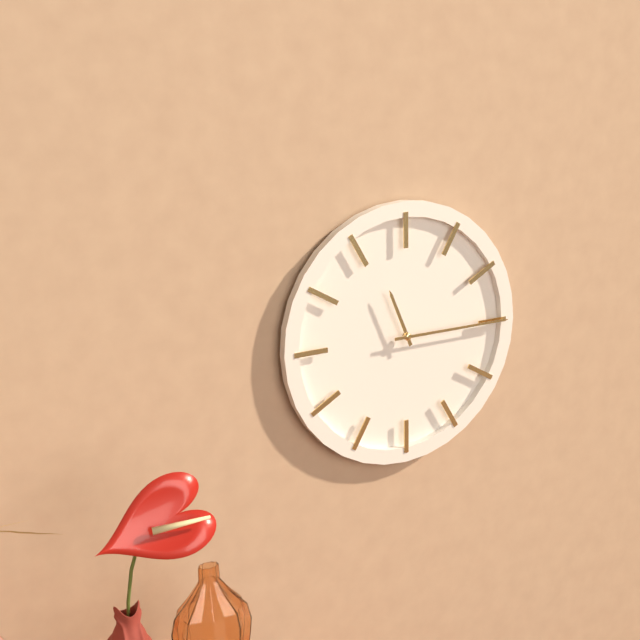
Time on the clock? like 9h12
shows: 11h15
